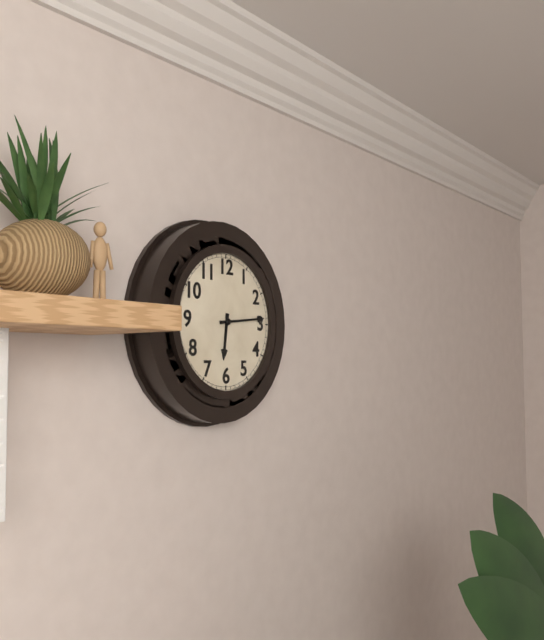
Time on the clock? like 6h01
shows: 6h14
